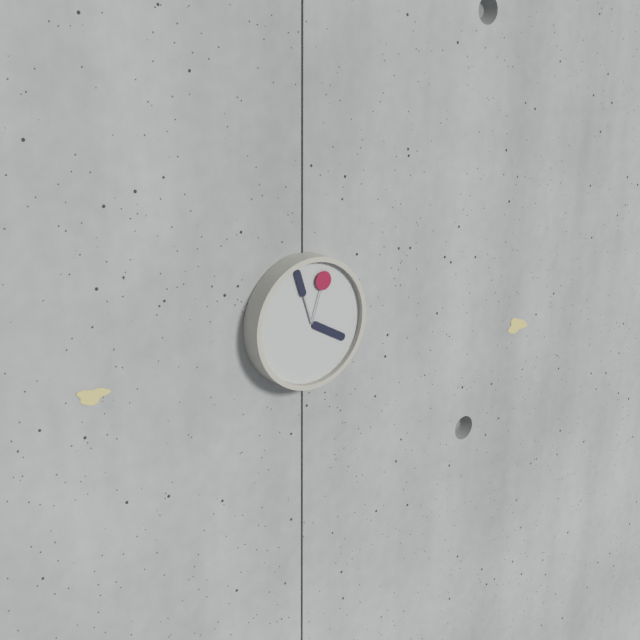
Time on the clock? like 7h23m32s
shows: 3h57m03s
